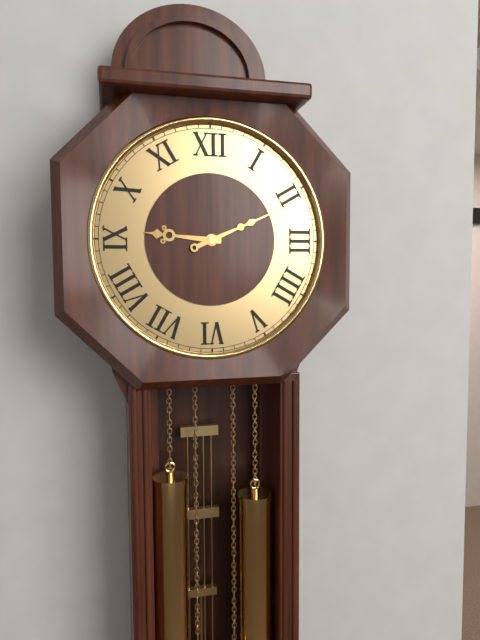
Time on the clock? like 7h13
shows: 9h11
